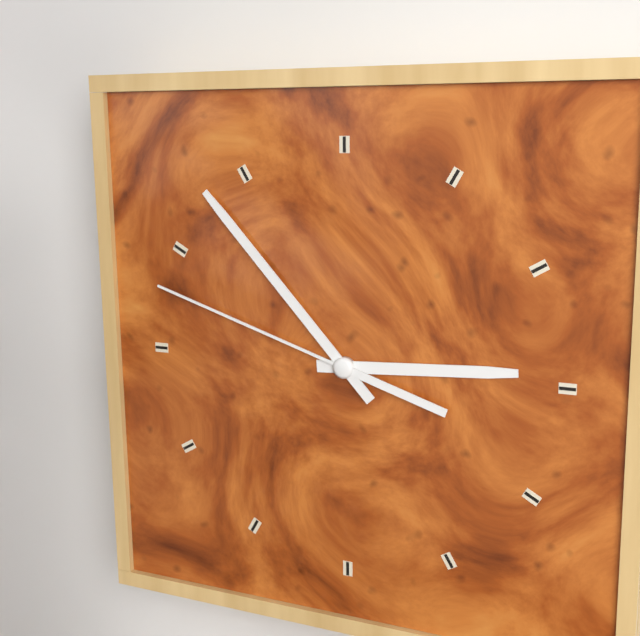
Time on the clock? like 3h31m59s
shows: 2h53m48s
